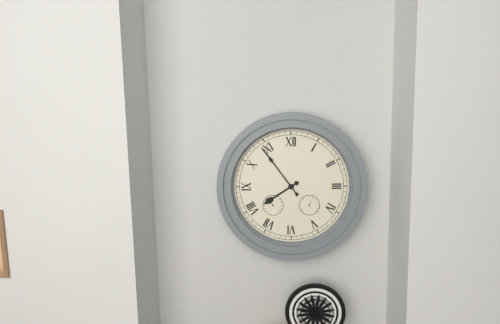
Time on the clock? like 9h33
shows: 7h54
